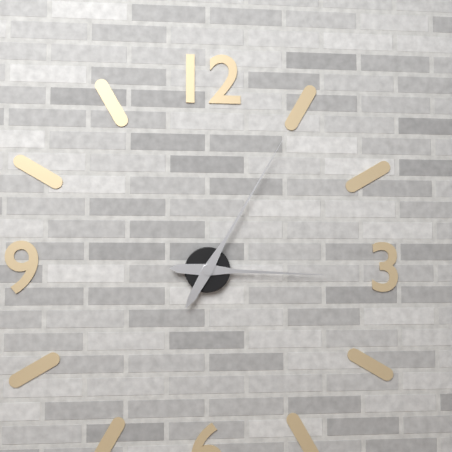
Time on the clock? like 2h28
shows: 3h05
